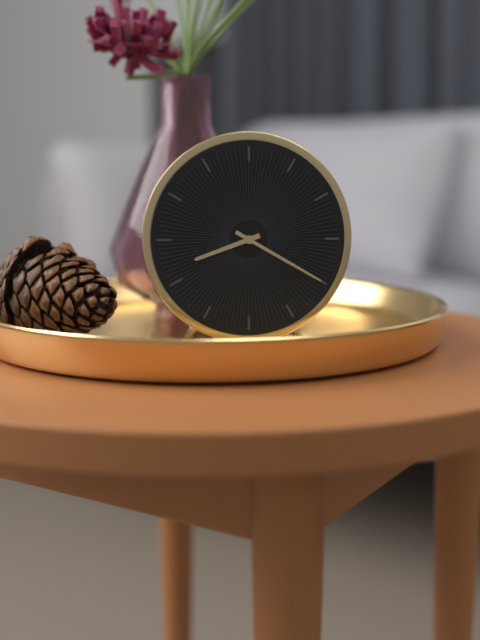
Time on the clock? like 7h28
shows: 8h20
